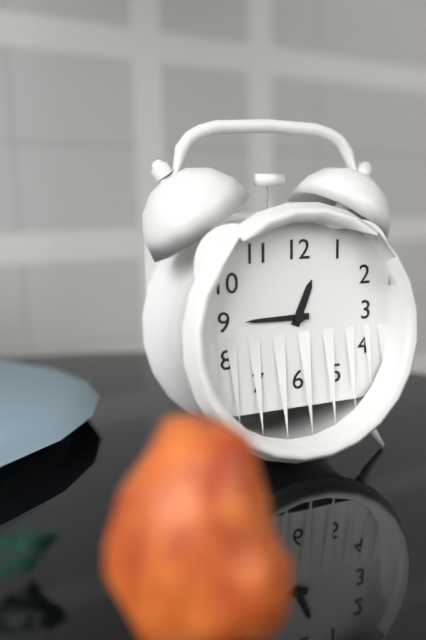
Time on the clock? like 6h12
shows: 12h45
